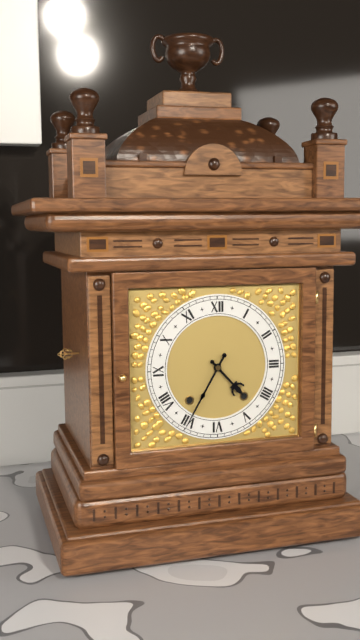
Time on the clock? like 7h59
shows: 4h35
